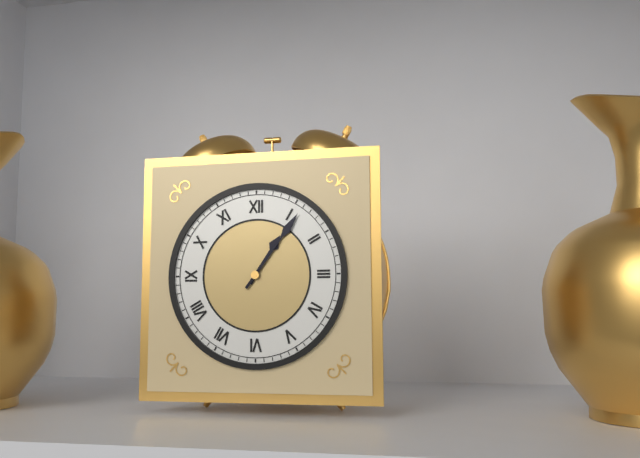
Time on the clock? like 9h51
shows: 1h06
